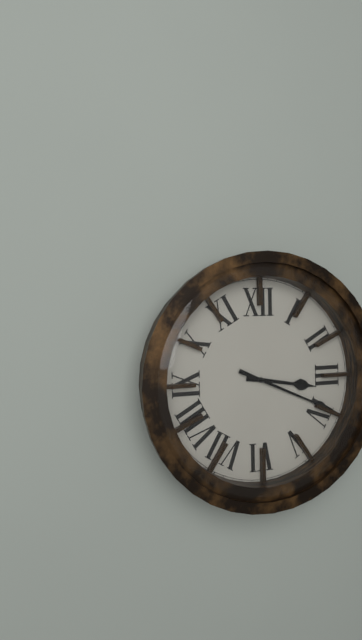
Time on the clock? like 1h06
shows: 3h19
